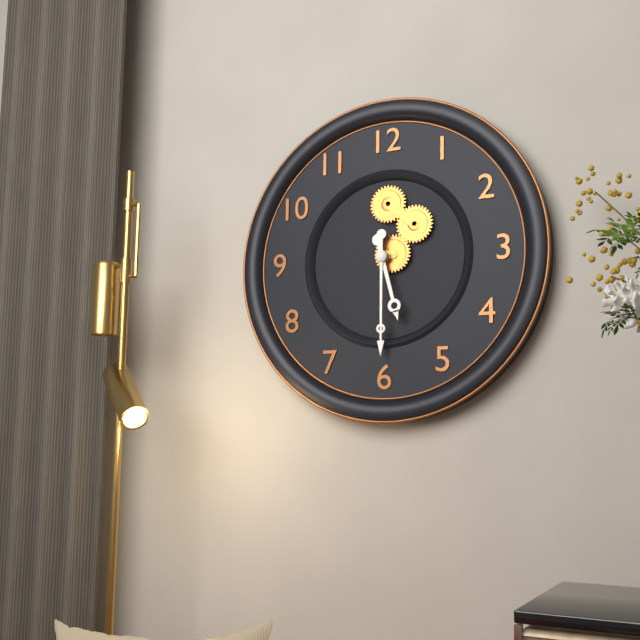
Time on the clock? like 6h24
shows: 5h30
